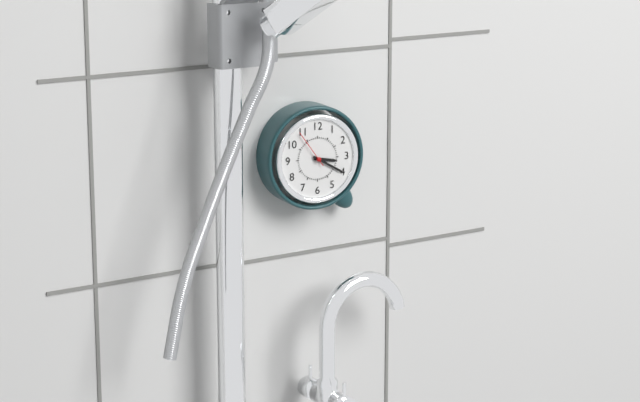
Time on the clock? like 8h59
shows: 3h20
